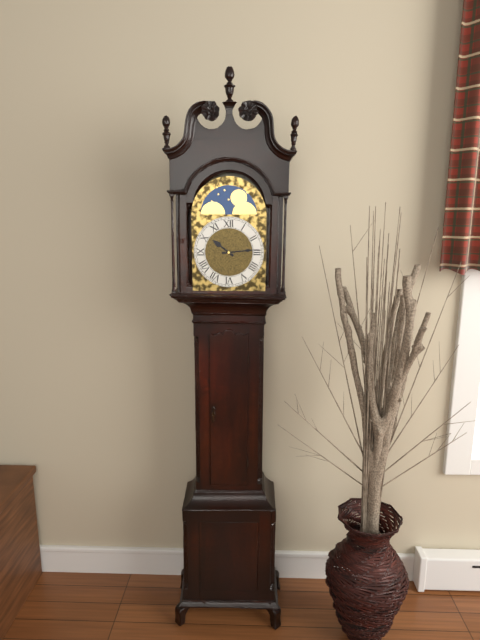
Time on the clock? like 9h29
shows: 10h14
